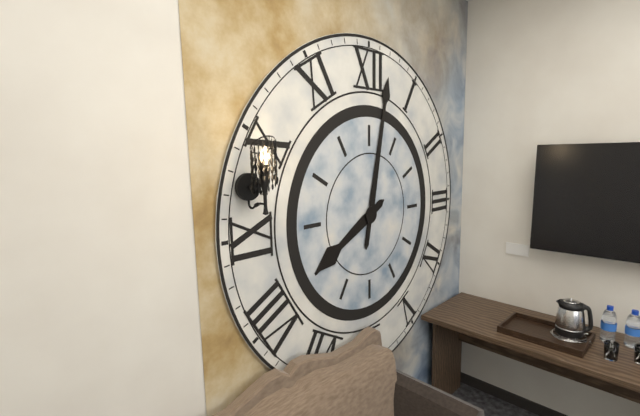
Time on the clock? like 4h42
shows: 8h02
